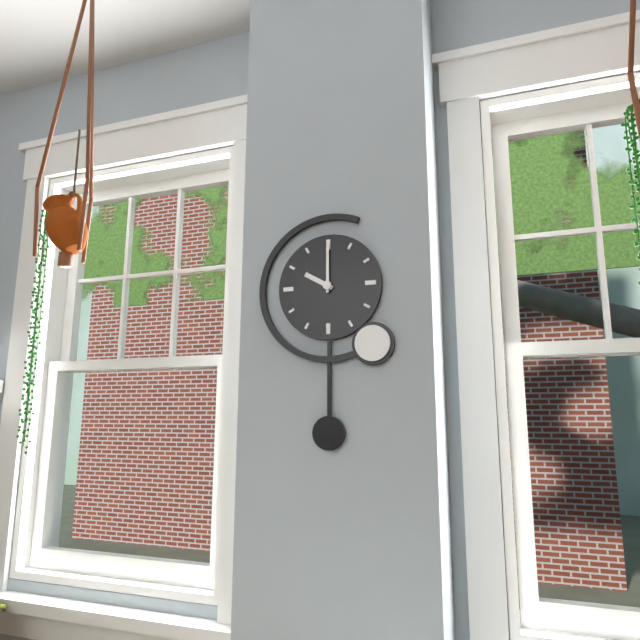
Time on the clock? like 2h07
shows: 10h00
